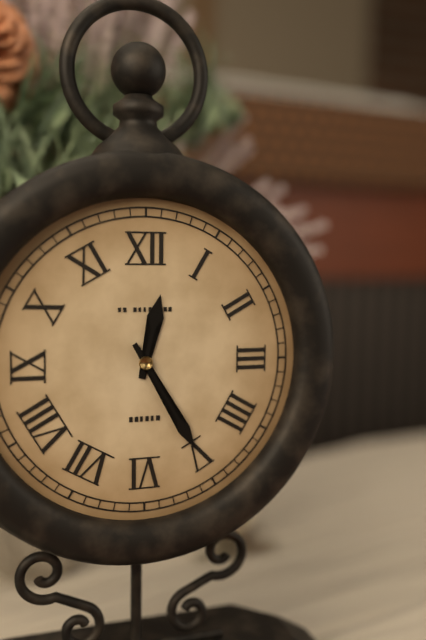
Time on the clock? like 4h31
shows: 12h25
